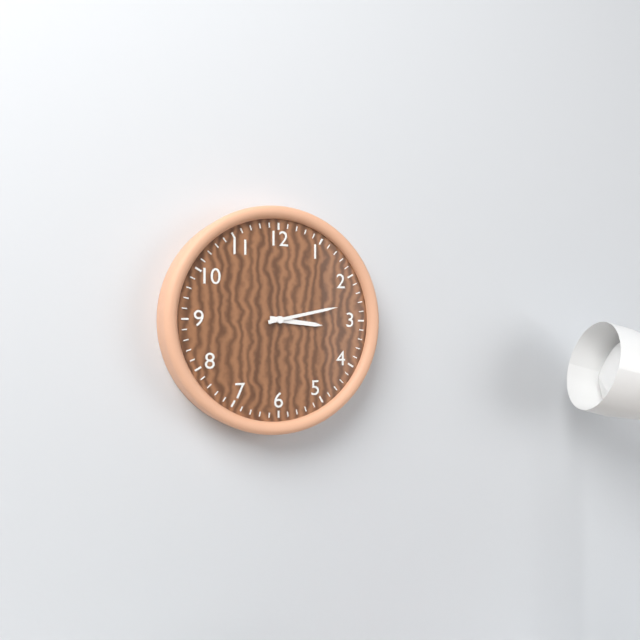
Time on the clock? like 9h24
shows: 3h13
